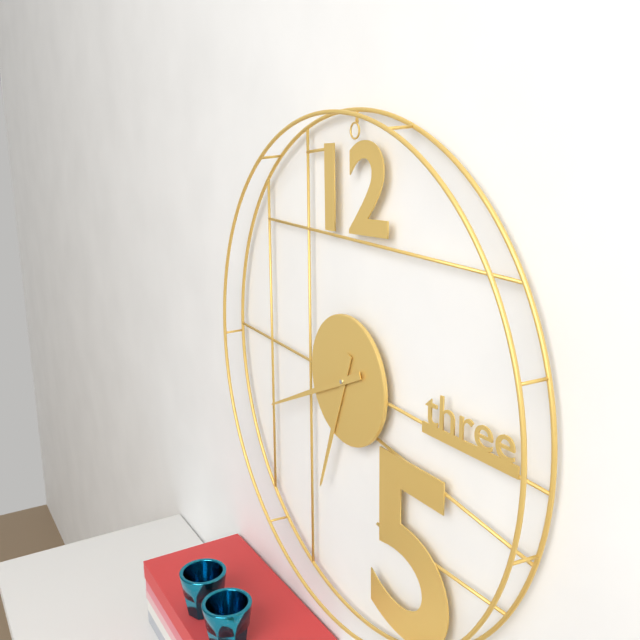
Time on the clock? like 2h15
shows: 6h41
